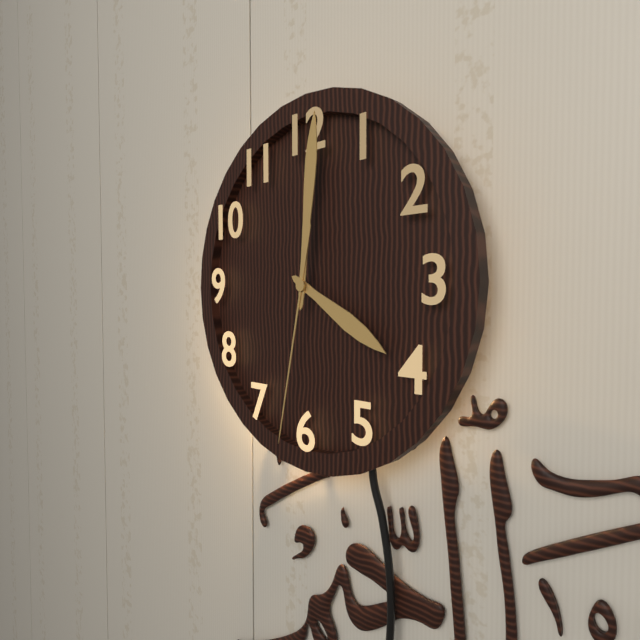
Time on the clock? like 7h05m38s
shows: 4h01m32s
